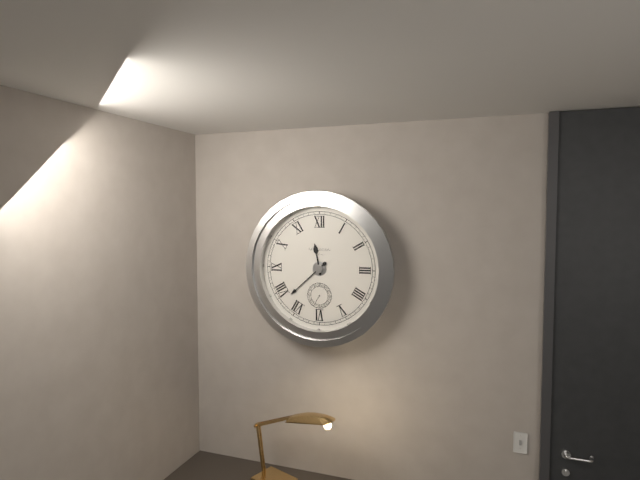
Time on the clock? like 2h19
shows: 11h38
